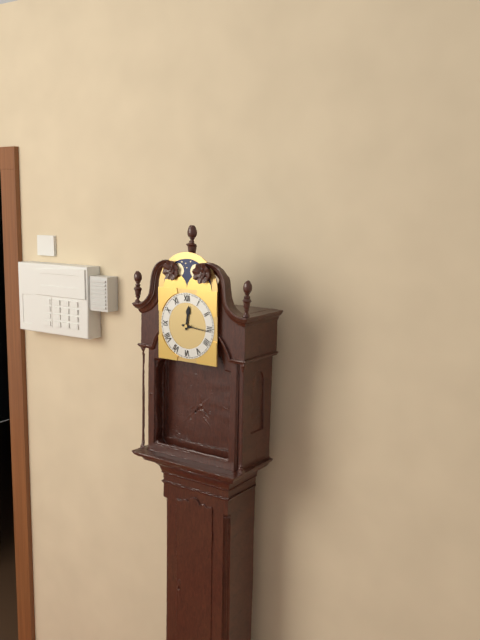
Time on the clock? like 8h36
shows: 12h16
